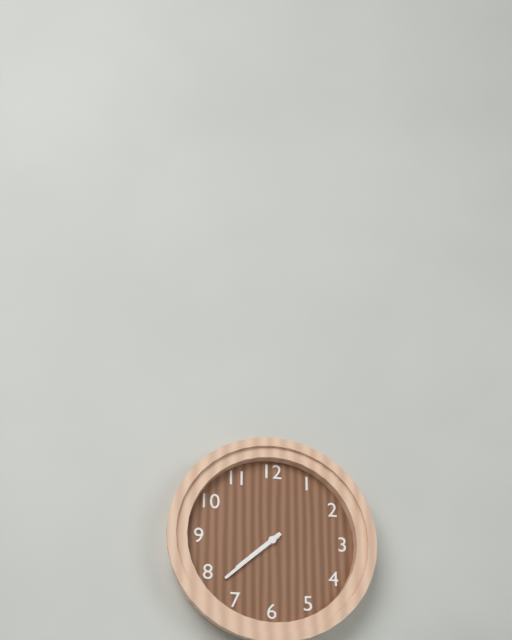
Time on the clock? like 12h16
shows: 7h38
